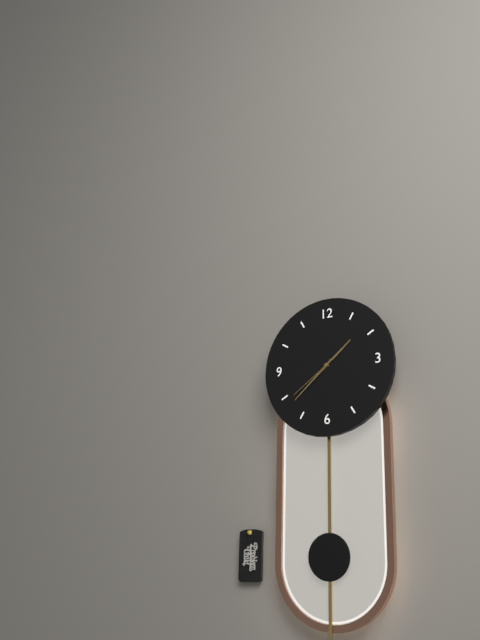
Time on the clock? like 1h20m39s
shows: 1h38m39s
